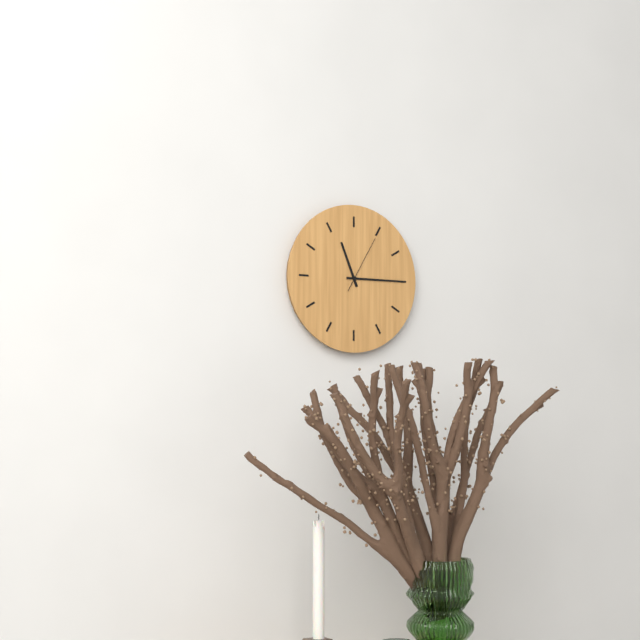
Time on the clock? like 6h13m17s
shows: 11h15m05s
